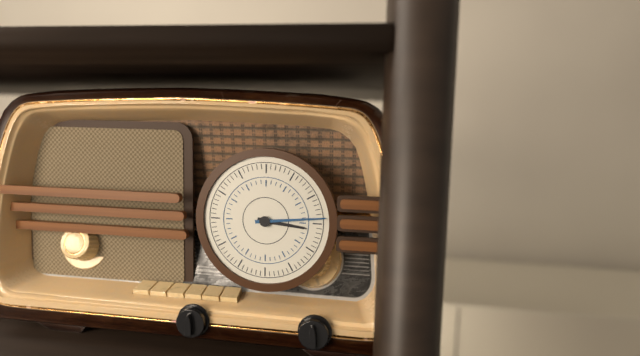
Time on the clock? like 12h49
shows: 3h14
